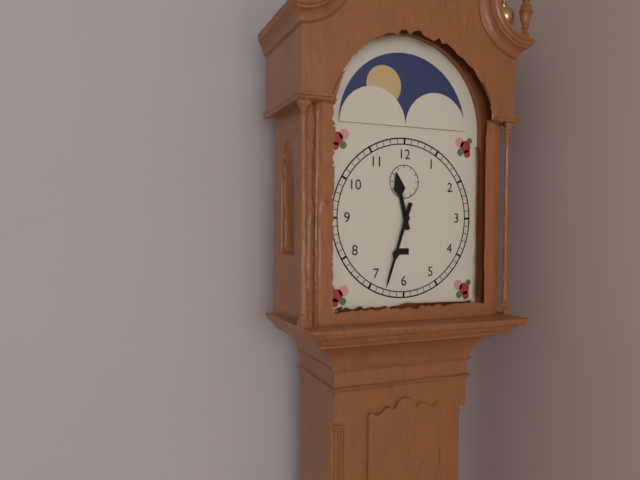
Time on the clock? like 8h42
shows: 11h33
